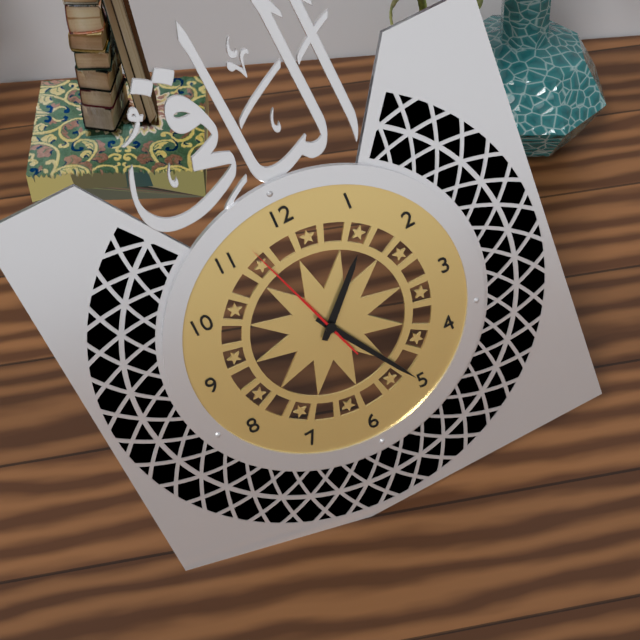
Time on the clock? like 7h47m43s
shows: 1h25m57s
